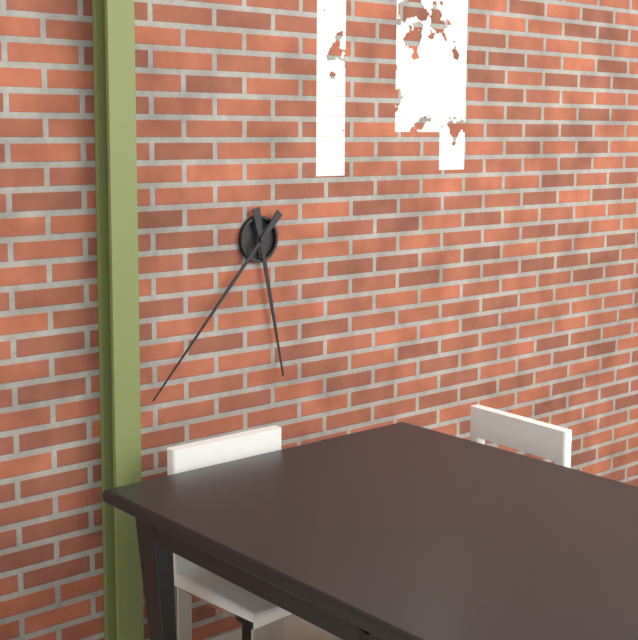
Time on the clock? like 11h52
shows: 5h37
